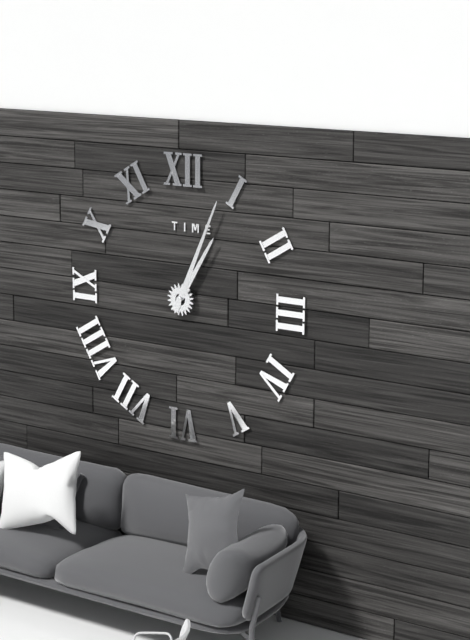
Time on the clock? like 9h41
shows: 1h04
